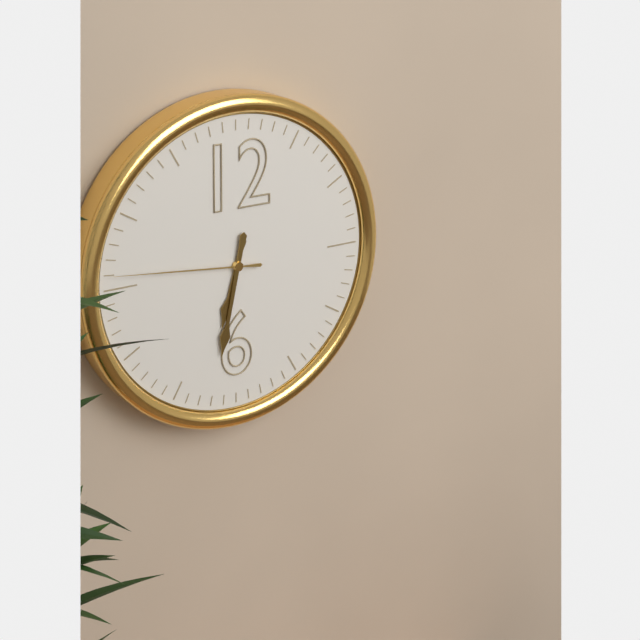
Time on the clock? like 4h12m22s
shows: 6h32m46s
